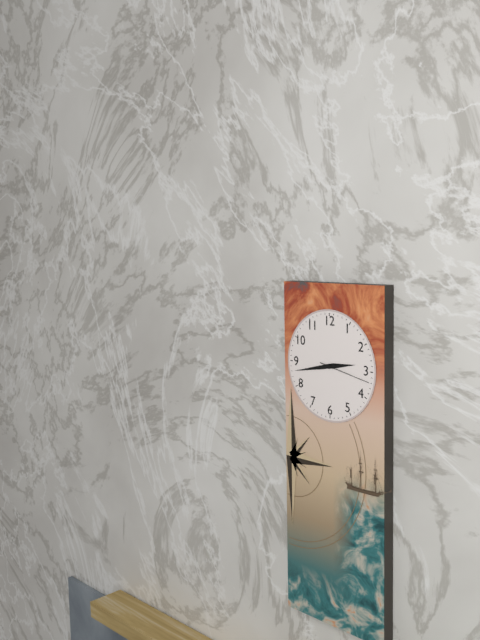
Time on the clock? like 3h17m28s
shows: 2h43m17s
